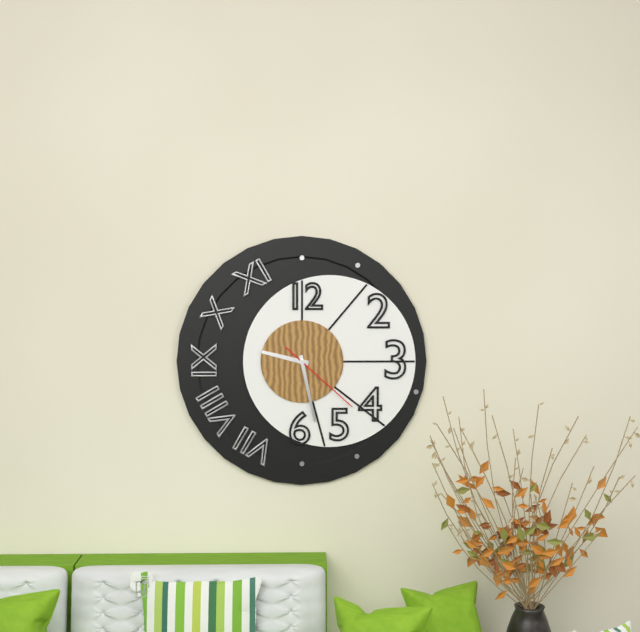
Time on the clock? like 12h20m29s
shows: 9h28m22s
